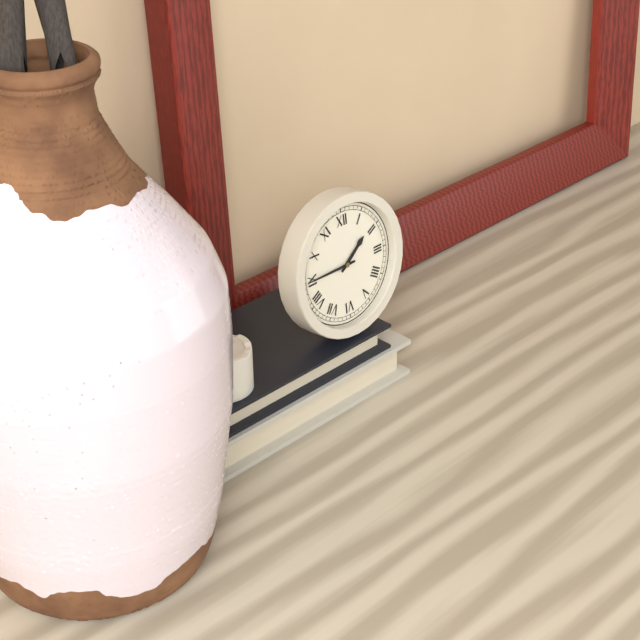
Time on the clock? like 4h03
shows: 1h45
